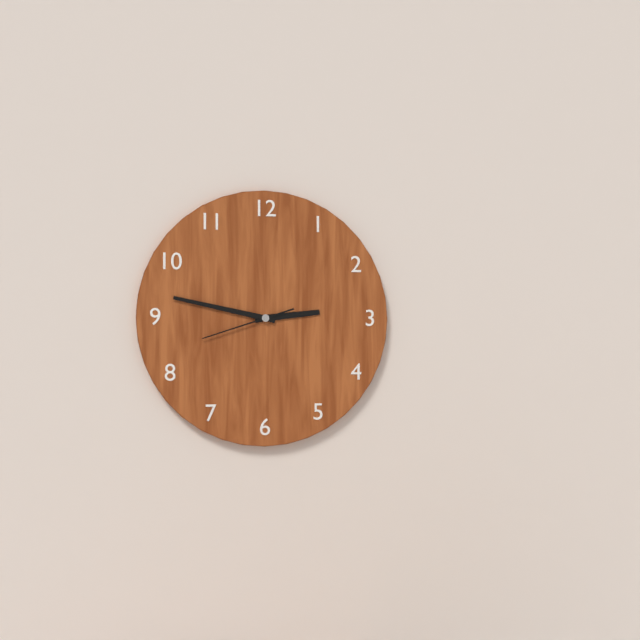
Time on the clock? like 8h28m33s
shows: 2h47m42s
